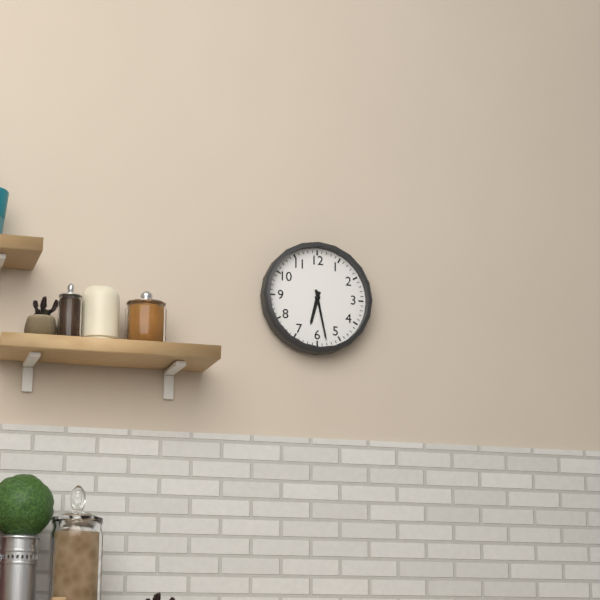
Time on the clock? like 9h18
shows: 6h28
